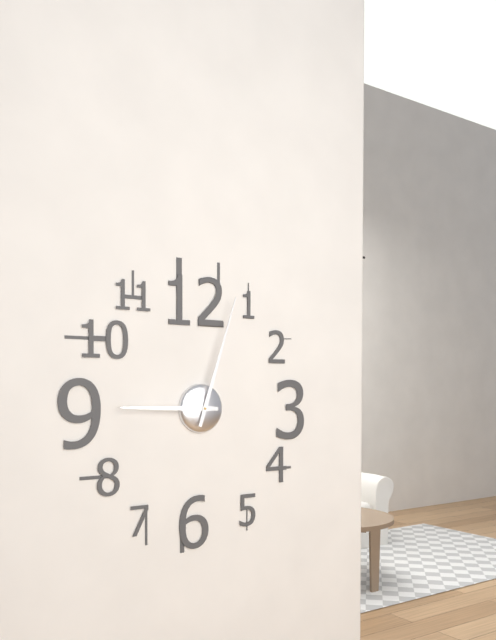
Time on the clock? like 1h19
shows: 9h03
